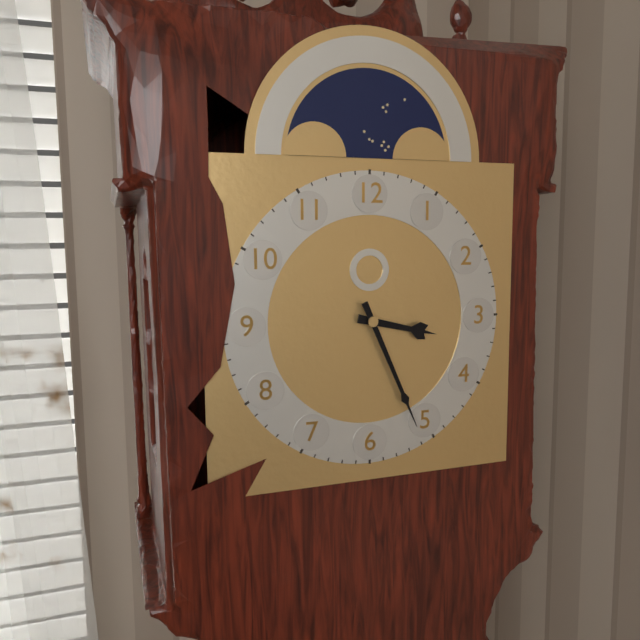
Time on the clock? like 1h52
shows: 3h26
